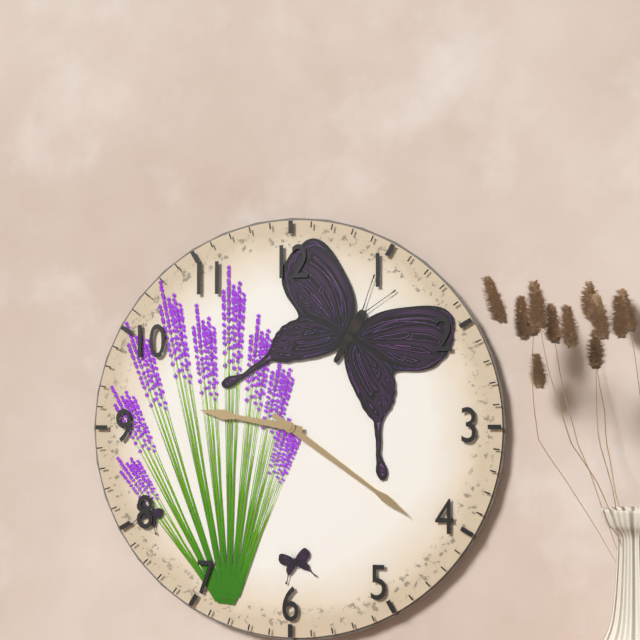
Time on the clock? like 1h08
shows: 9h21
